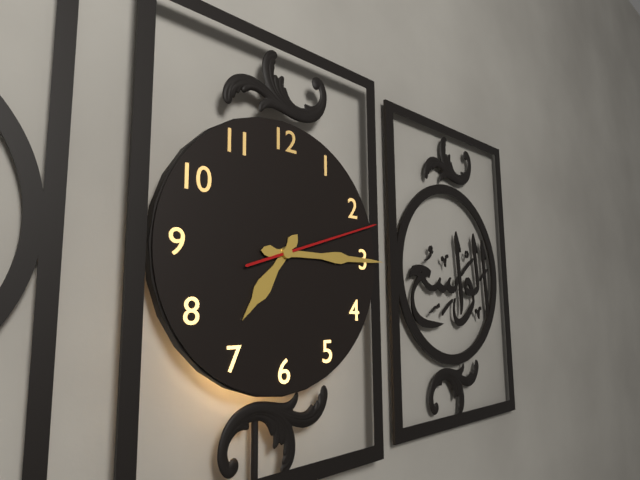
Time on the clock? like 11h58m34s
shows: 7h15m12s
